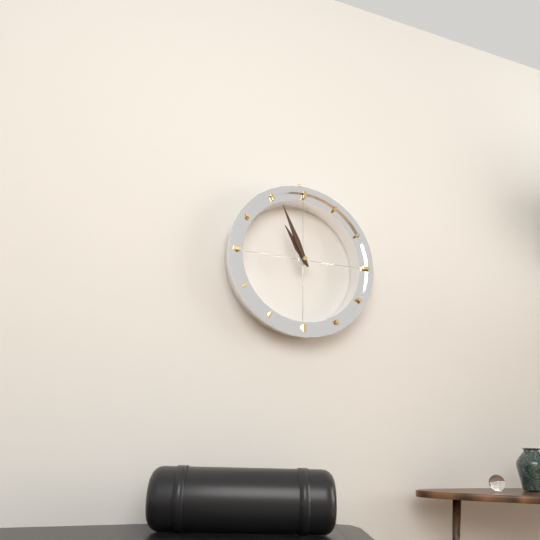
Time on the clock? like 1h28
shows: 10h56
